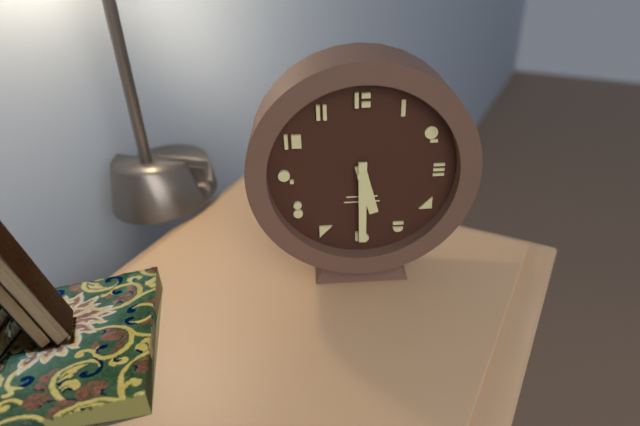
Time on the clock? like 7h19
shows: 5h30
